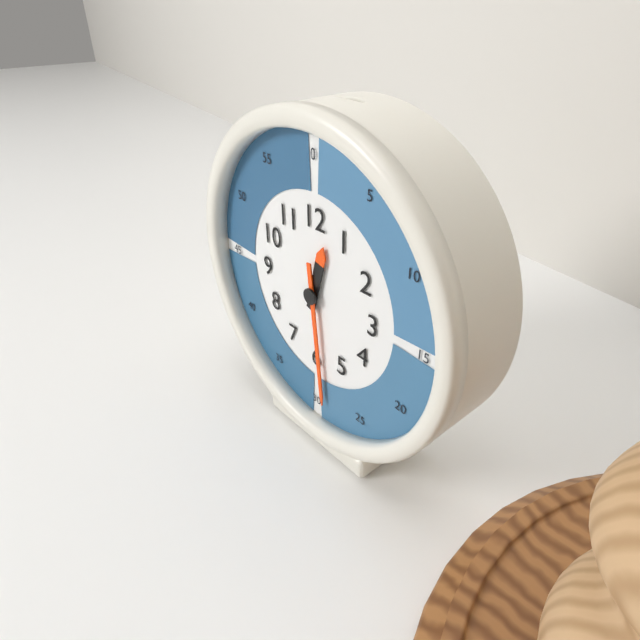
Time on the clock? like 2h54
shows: 12h29
